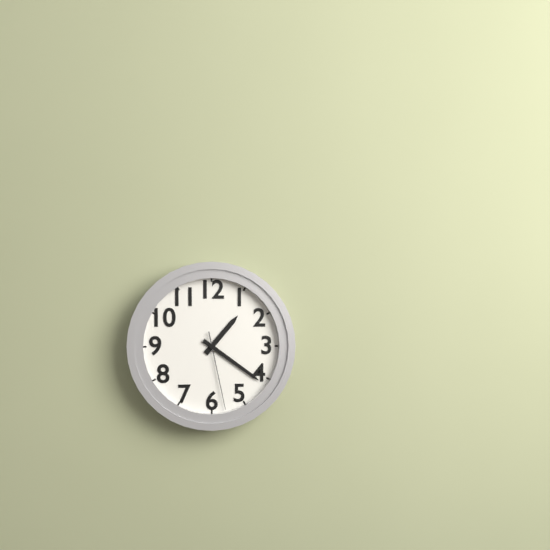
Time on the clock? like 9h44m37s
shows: 1h21m28s
